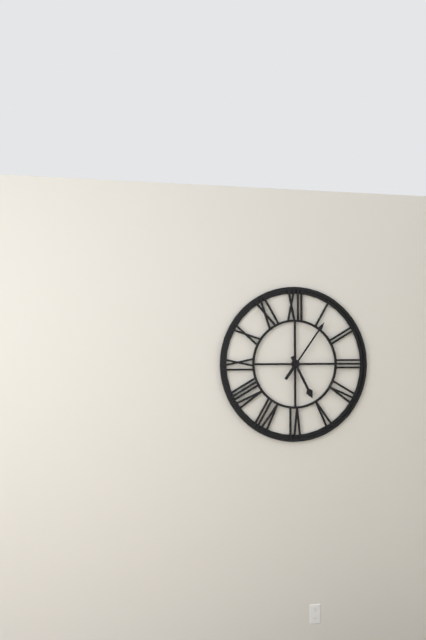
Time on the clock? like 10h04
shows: 5h06
